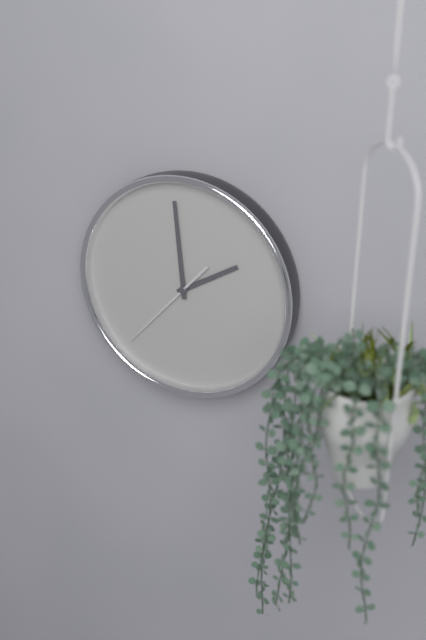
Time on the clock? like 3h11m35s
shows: 1h59m37s
